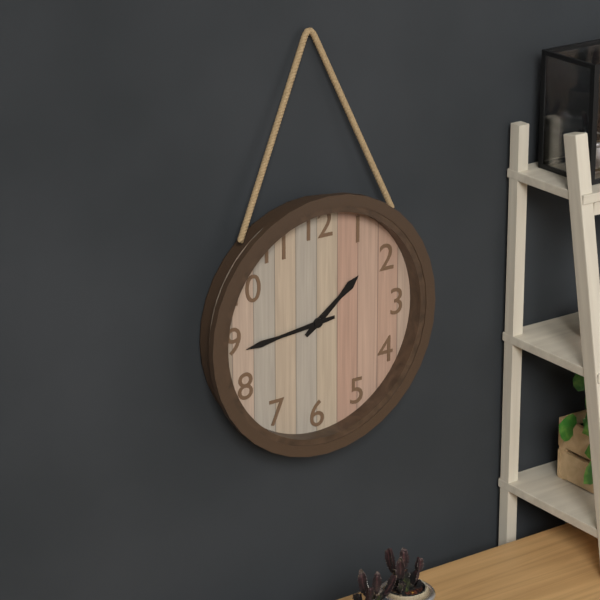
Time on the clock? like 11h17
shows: 1h44
